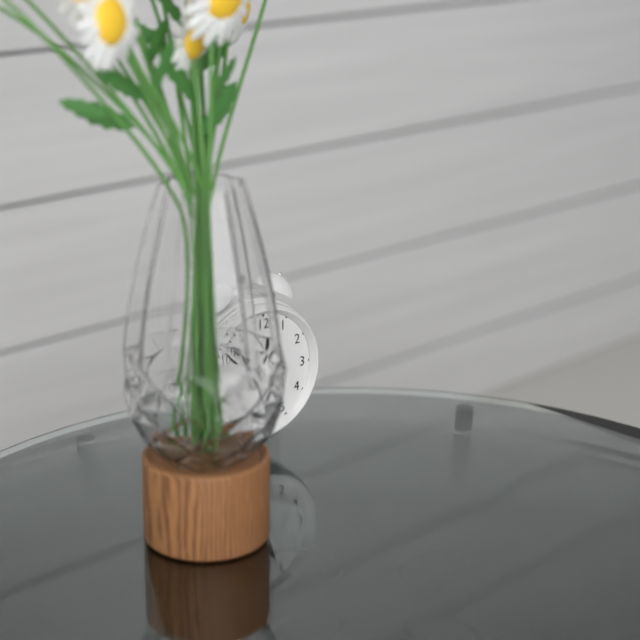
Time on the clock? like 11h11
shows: 12h51
